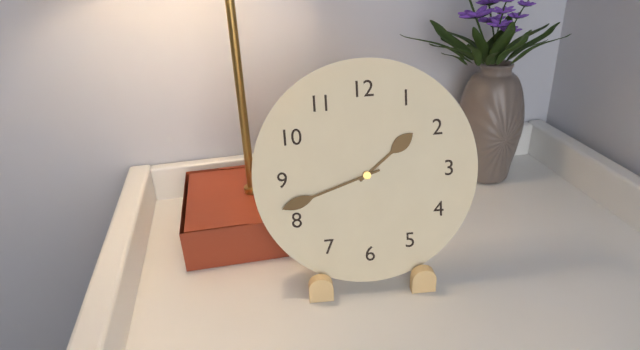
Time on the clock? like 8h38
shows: 1h42
